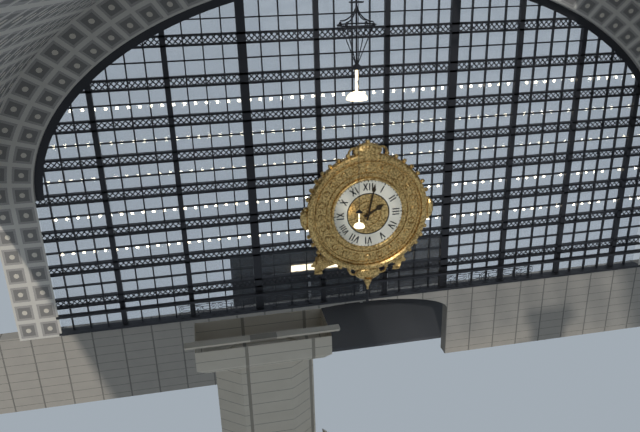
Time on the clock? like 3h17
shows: 2h02
